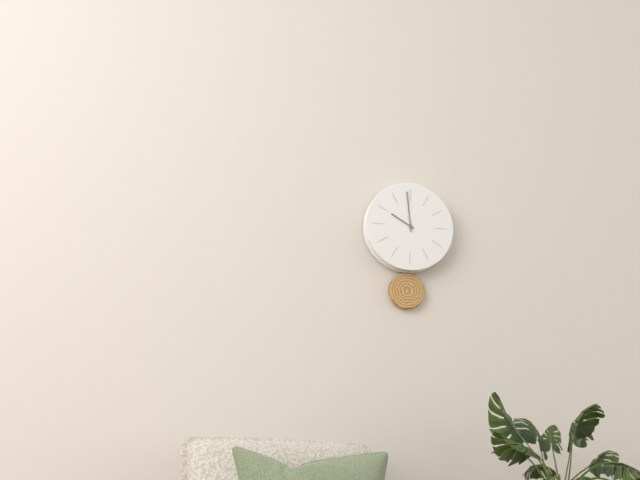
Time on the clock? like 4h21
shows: 9h59
